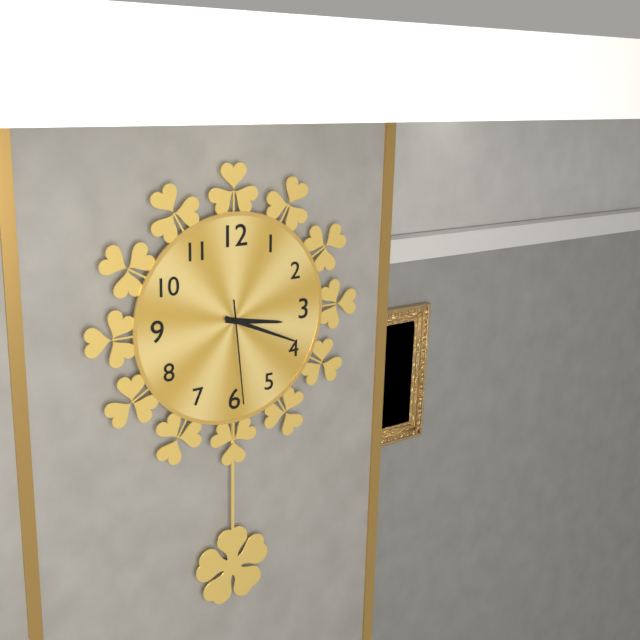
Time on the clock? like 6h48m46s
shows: 3h19m29s
